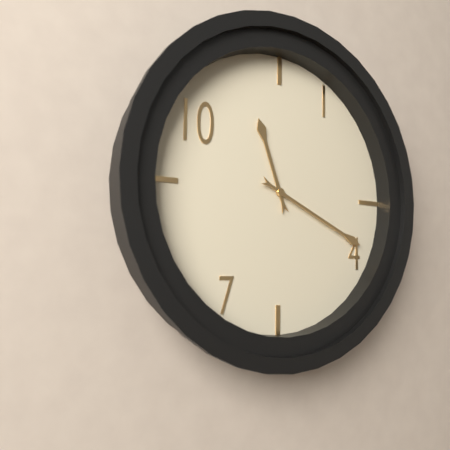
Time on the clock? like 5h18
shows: 11h19
